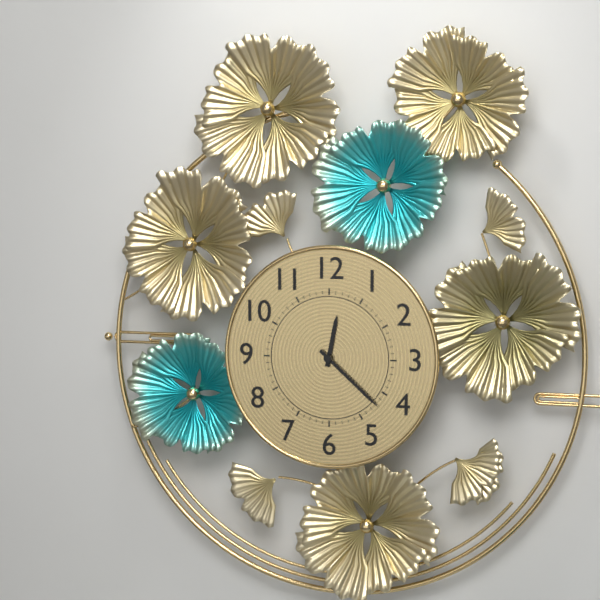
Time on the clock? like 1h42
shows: 12h22
